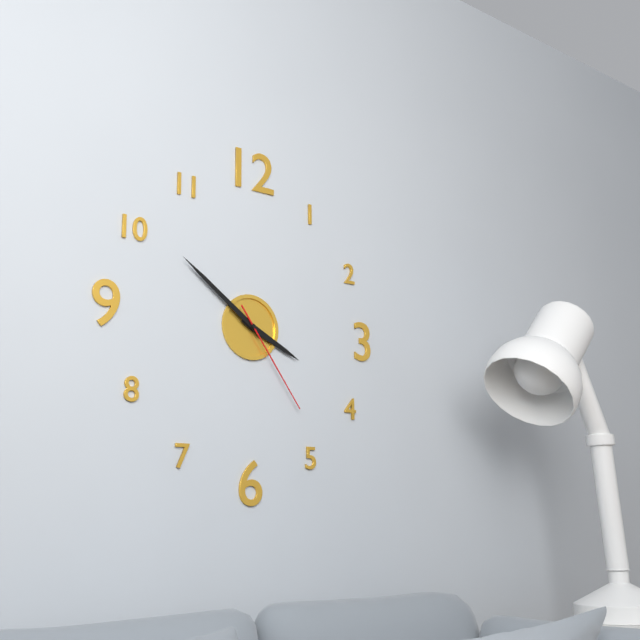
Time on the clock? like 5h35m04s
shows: 3h51m24s
